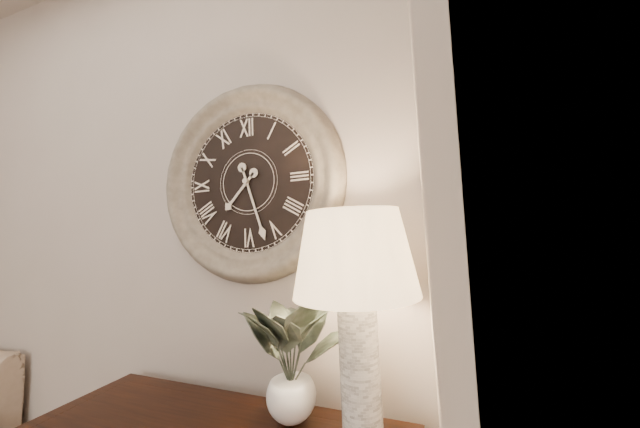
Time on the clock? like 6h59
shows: 7h27
